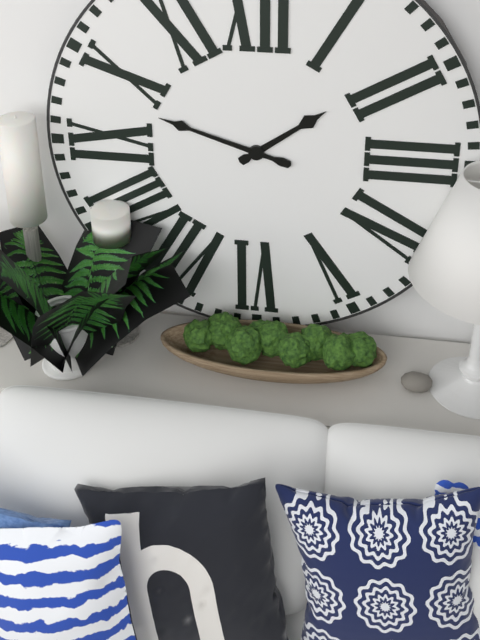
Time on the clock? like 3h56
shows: 1h48
